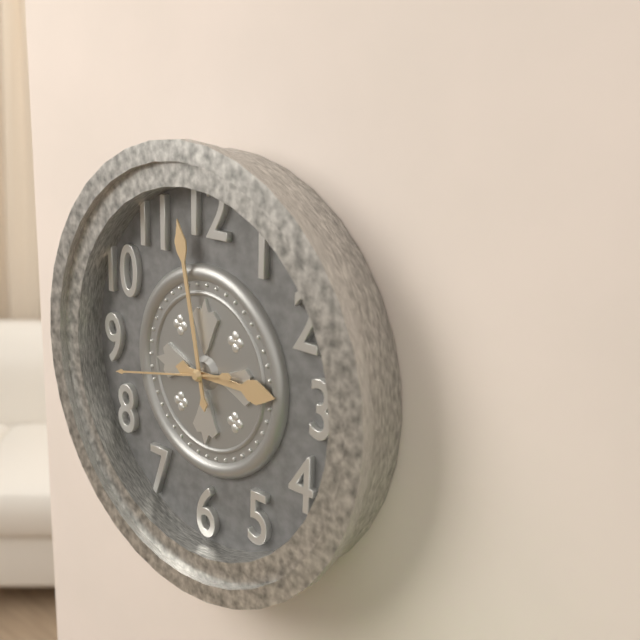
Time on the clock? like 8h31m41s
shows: 2h58m43s
